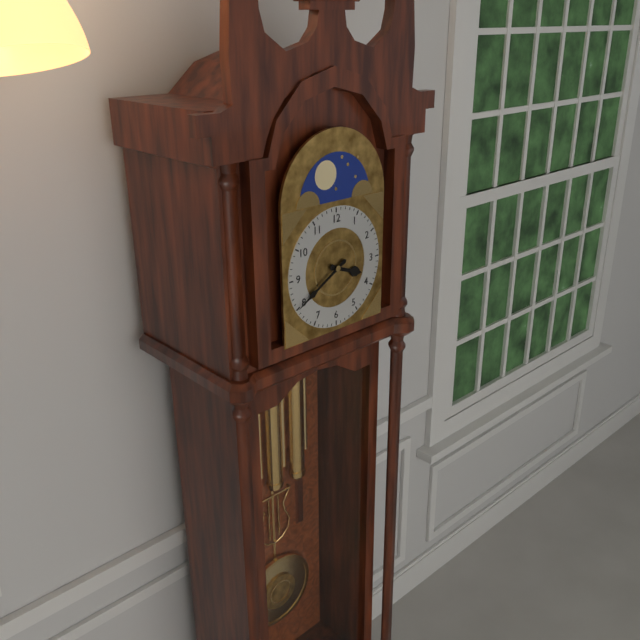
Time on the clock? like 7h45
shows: 3h40
